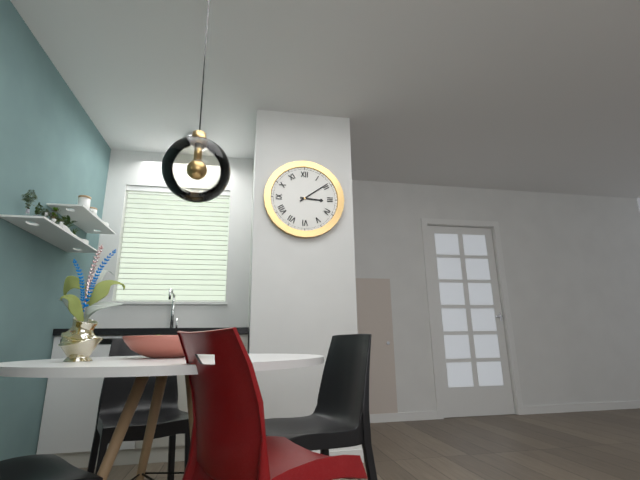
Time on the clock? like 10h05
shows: 3h09
